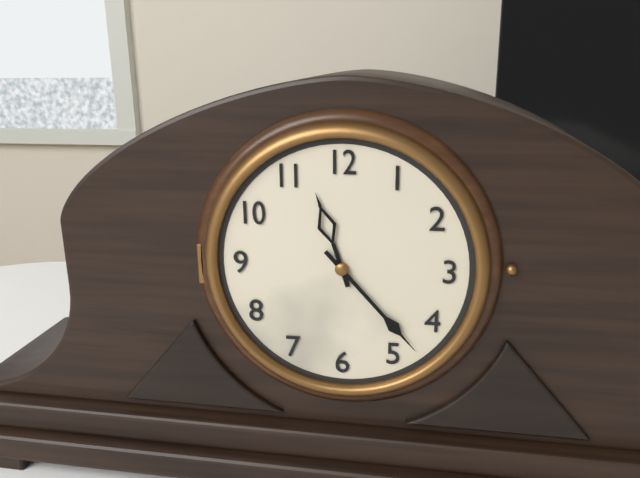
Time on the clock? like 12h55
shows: 11h23
